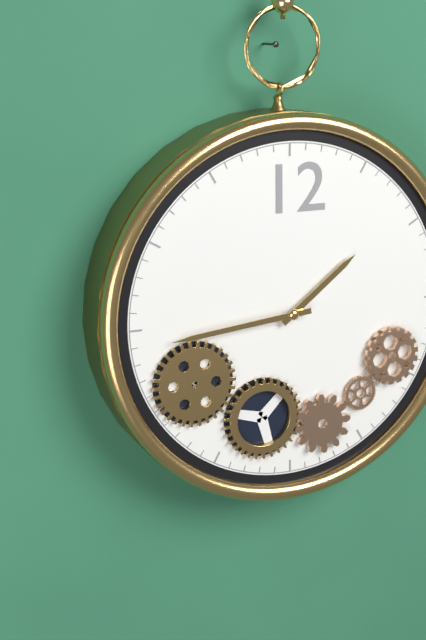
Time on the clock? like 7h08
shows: 1h44
